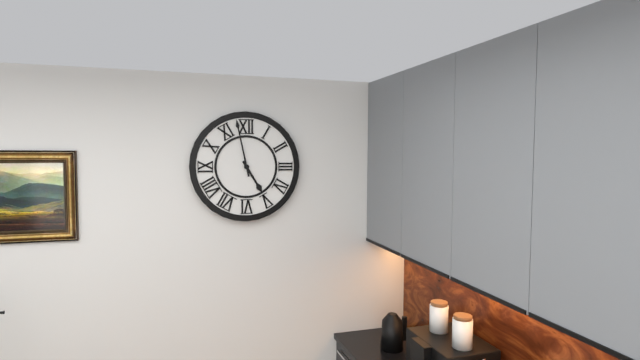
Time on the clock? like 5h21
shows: 4h58
